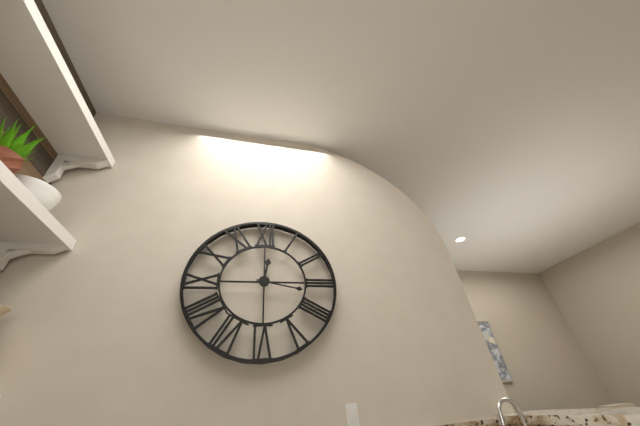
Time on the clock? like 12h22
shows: 12h17
